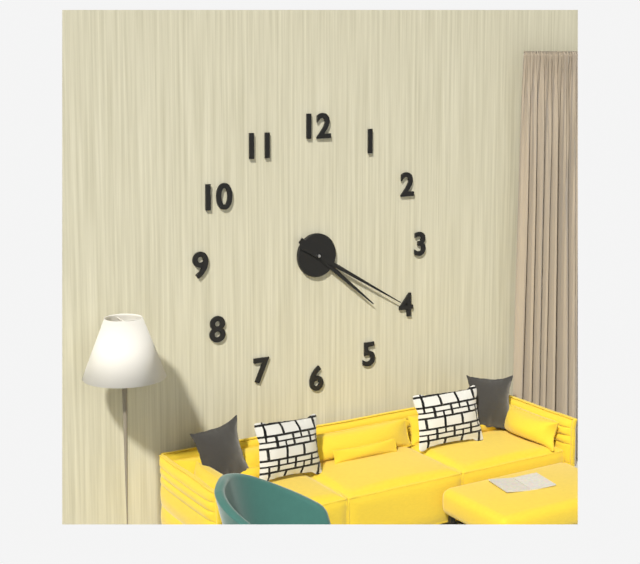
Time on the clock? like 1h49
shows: 4h20
